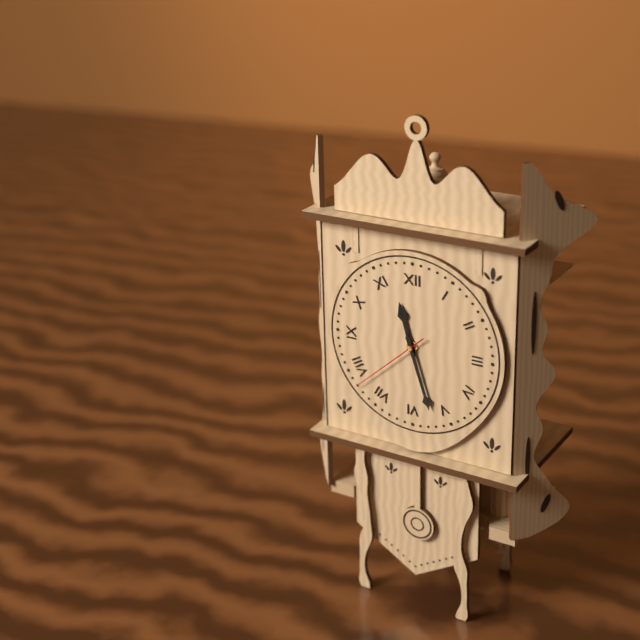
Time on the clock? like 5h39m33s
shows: 11h27m38s
